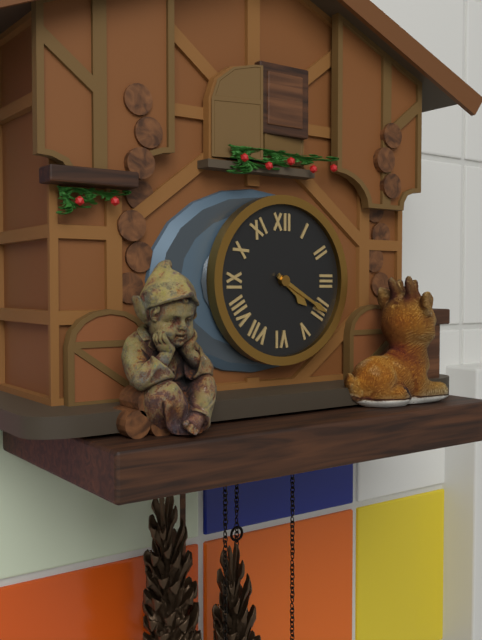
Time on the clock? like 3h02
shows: 4h20
